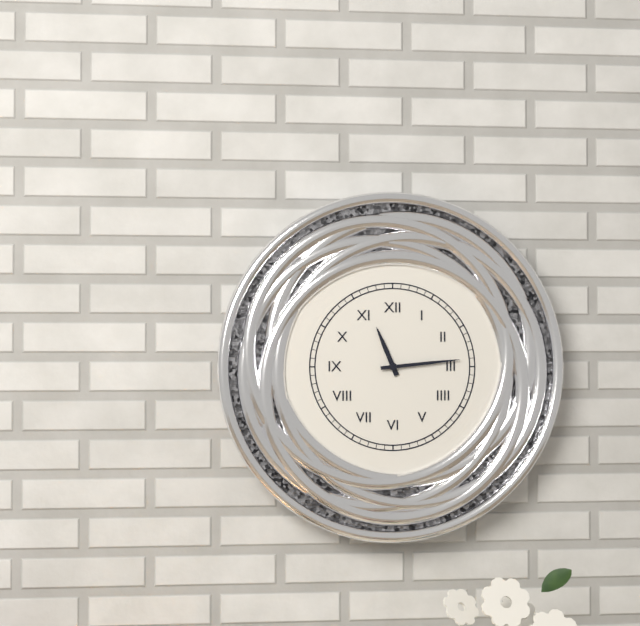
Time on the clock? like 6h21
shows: 11h14
